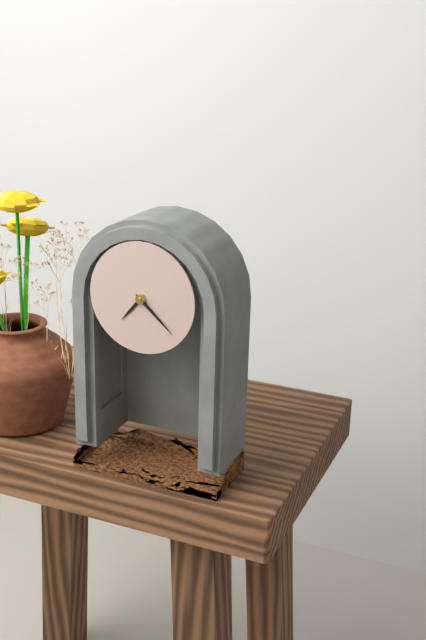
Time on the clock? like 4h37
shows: 7h22
